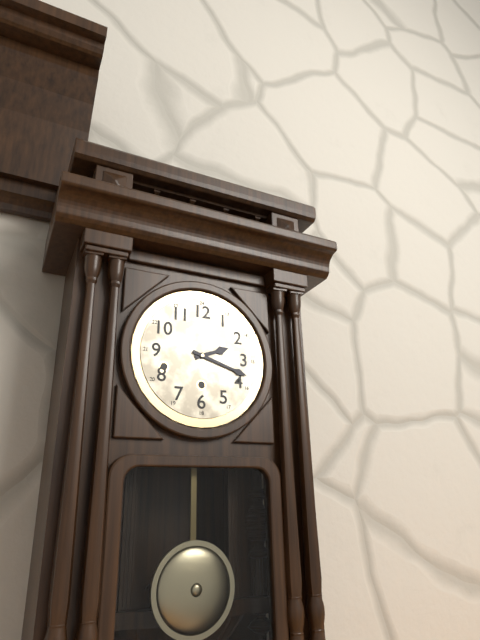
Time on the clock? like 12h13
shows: 2h18
